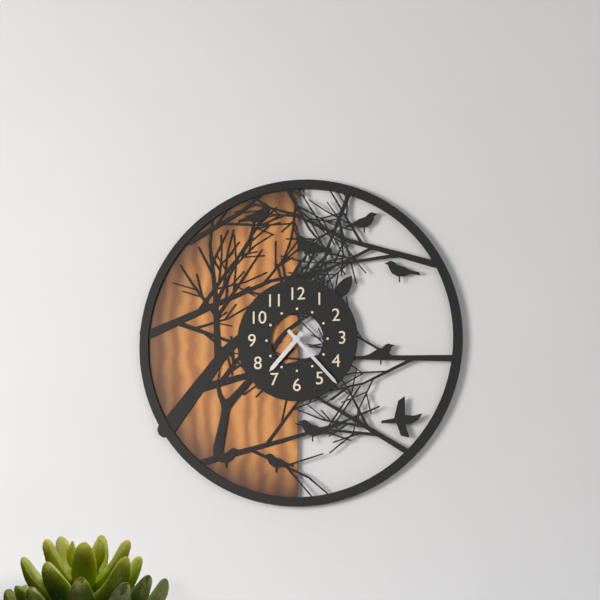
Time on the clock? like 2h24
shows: 7h23
